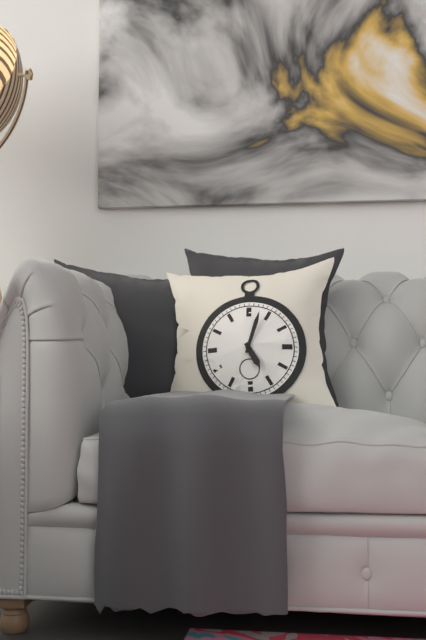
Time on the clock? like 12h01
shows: 5h03
